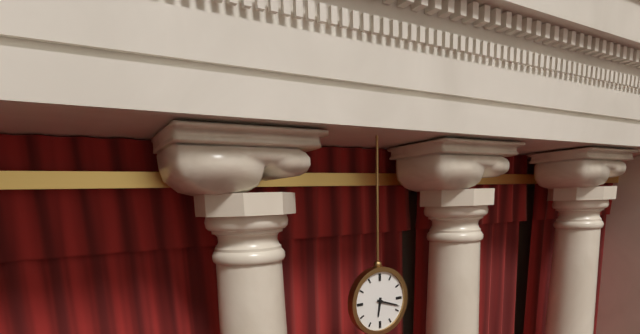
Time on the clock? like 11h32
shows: 6h18
